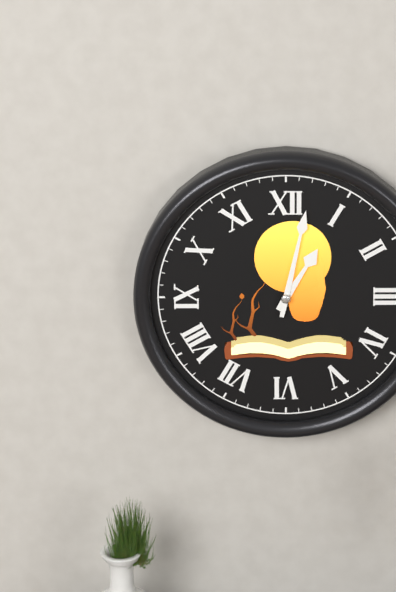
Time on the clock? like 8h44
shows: 1h02
